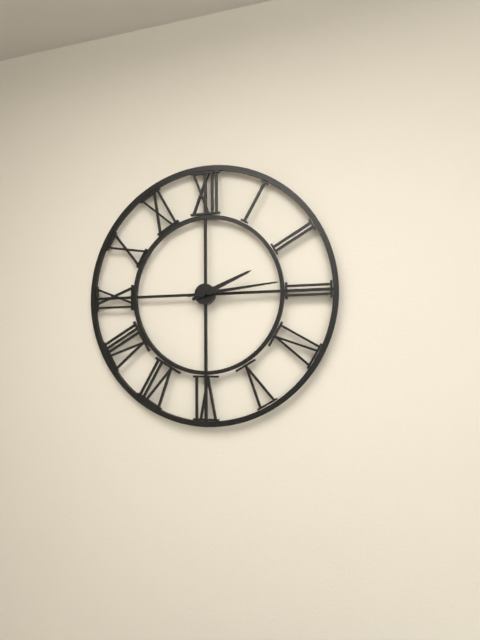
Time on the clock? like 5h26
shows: 2h14
